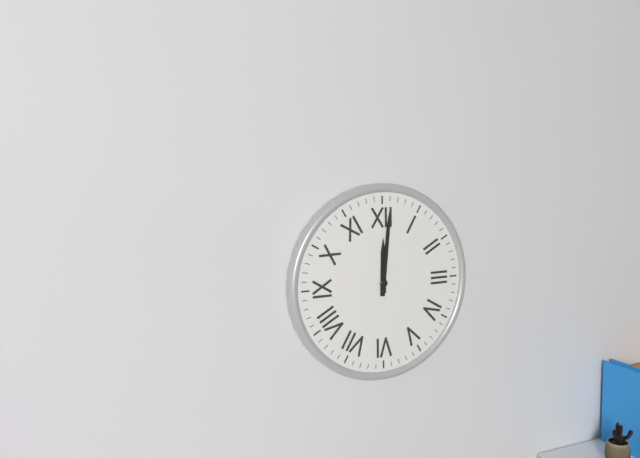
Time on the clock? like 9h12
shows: 12h01
